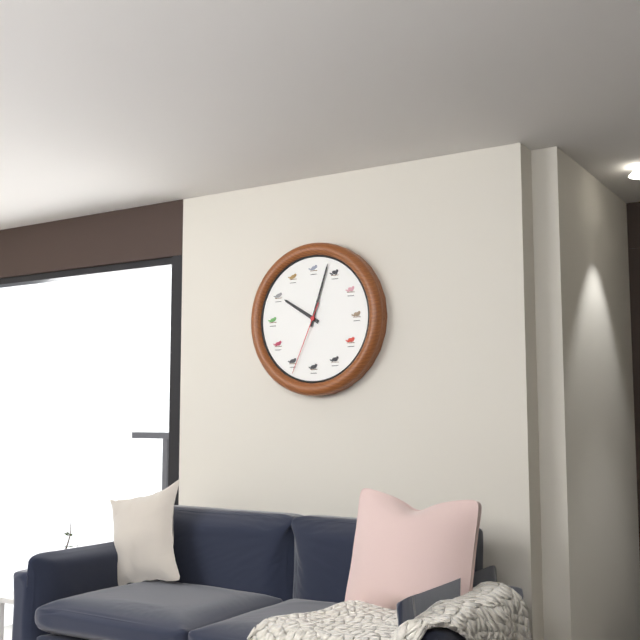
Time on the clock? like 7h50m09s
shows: 10h03m34s
